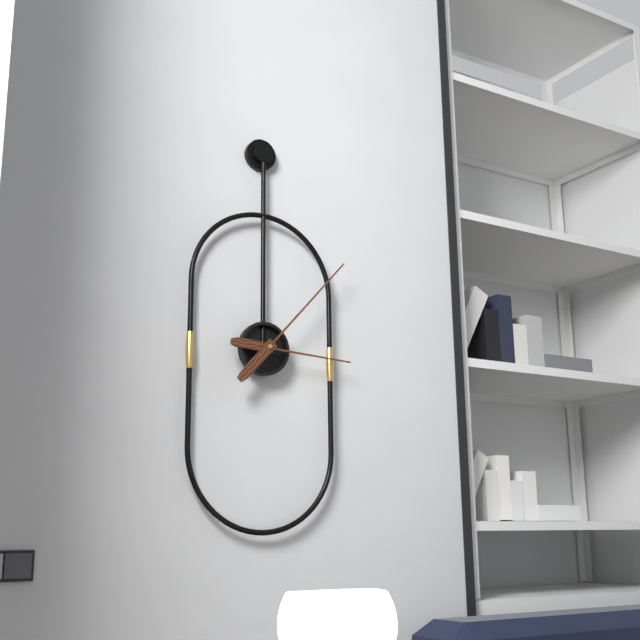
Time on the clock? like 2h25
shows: 3h07
